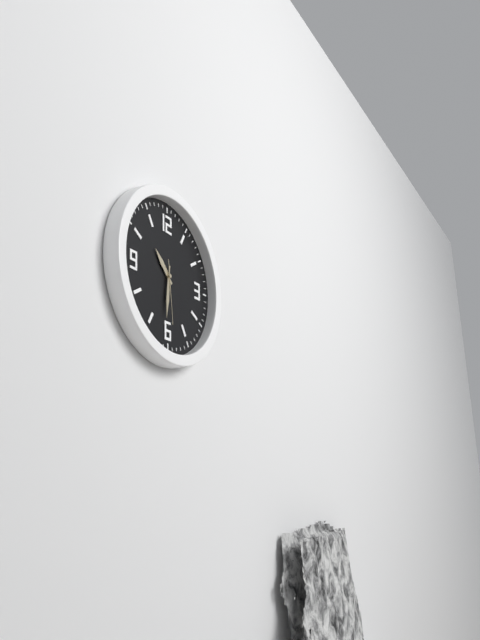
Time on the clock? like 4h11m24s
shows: 10h31m29s
